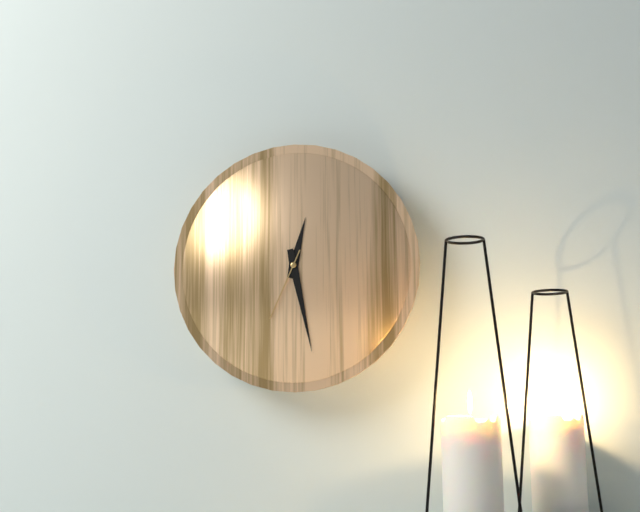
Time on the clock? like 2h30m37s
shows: 12h28m34s
